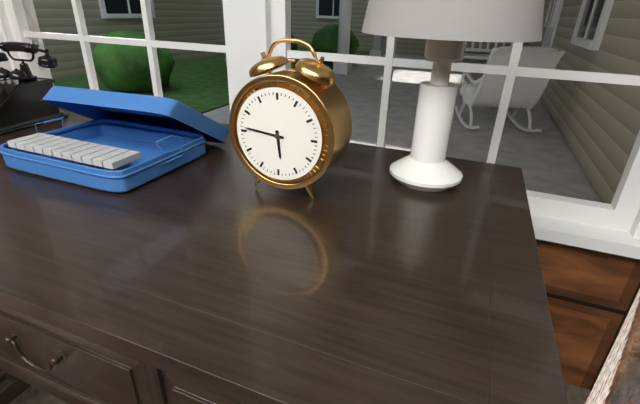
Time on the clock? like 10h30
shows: 5h46
